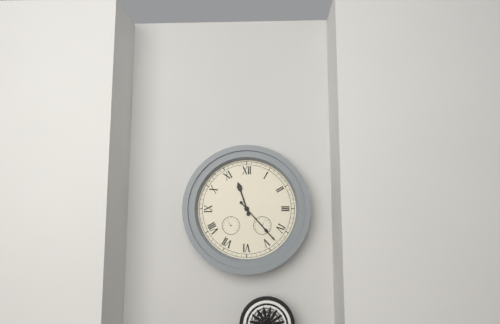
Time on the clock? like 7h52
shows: 11h23
